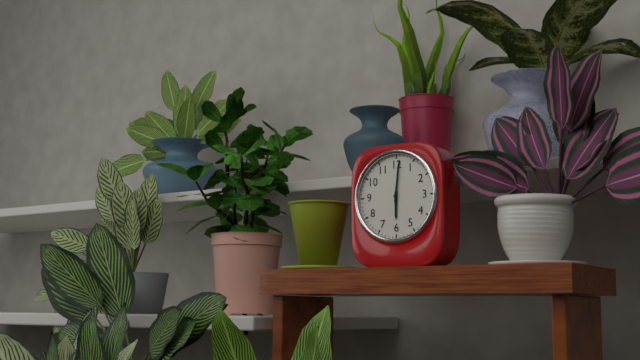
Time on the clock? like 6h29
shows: 6h01
